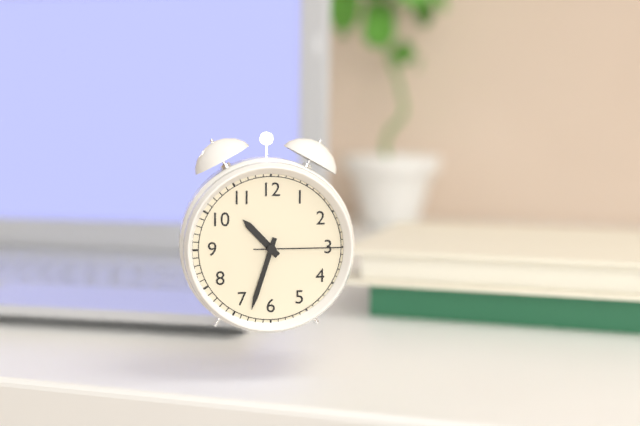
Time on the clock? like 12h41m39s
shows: 10h33m15s
